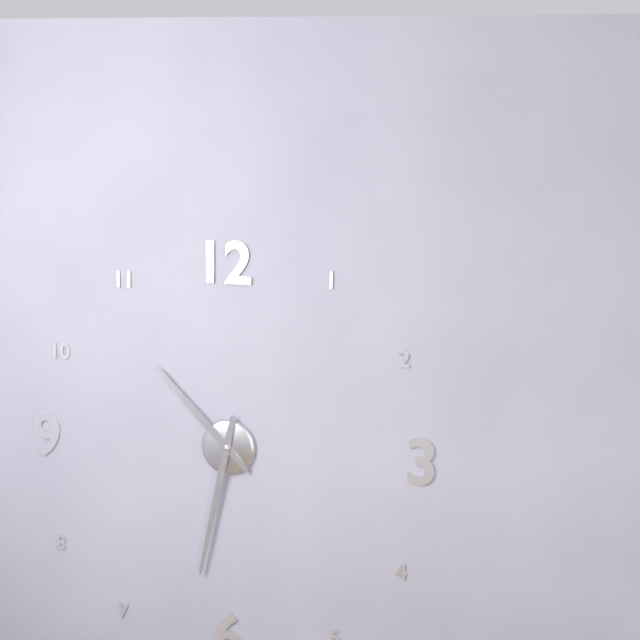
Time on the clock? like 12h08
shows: 10h32
